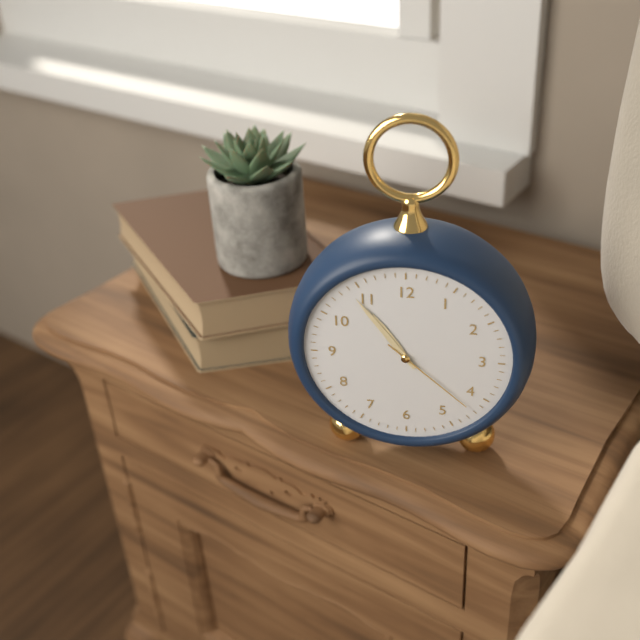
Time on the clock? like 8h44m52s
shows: 10h54m22s
